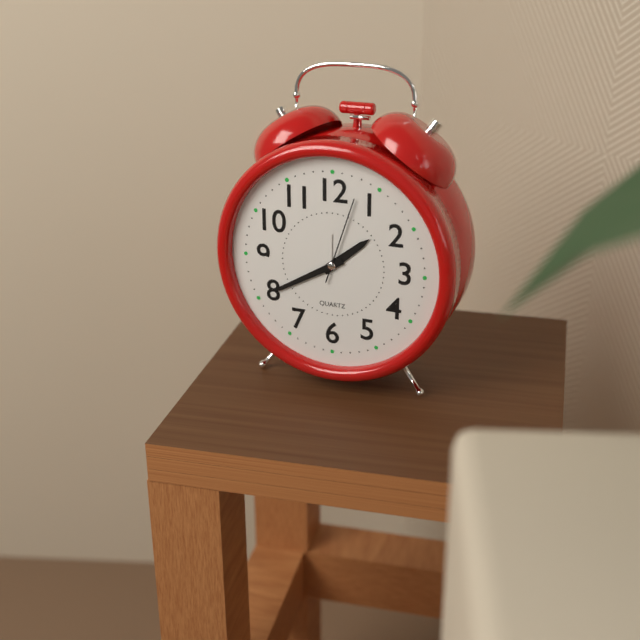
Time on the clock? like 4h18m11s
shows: 1h40m03s
